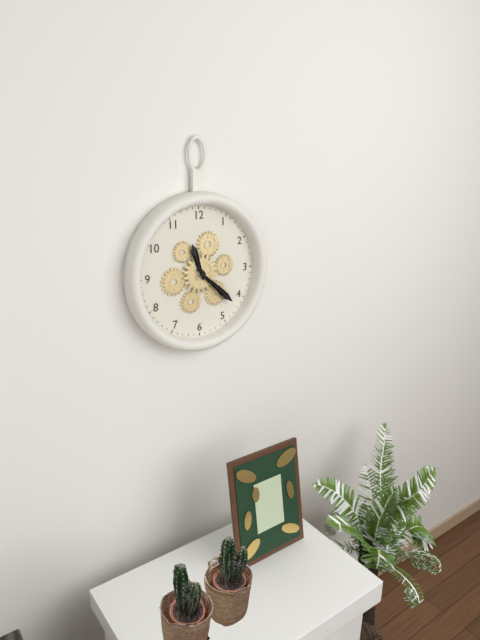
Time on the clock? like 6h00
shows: 11h22
